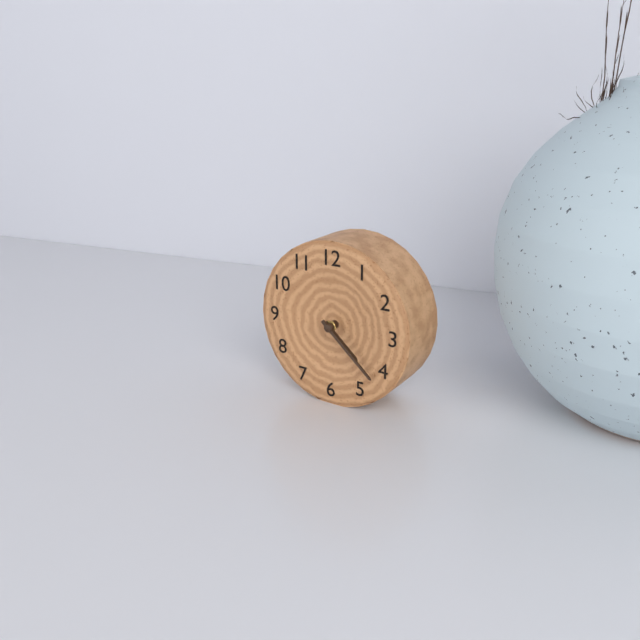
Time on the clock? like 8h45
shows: 4h22
